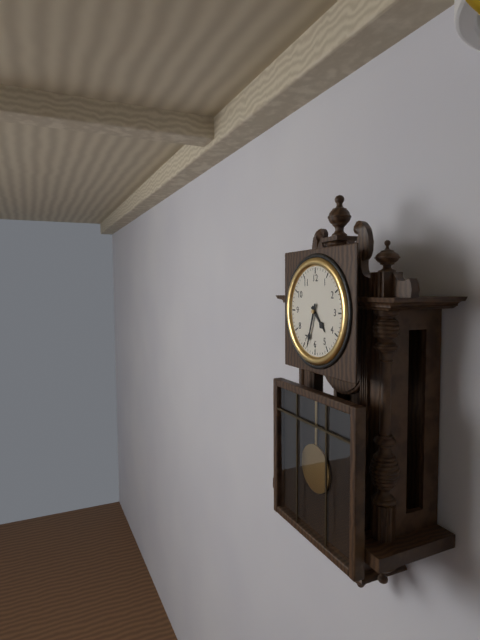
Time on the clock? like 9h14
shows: 4h33
